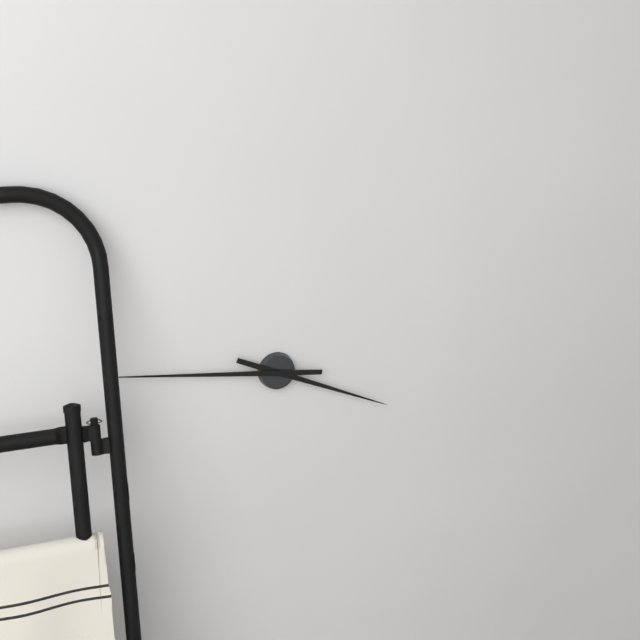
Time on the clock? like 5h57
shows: 3h46
